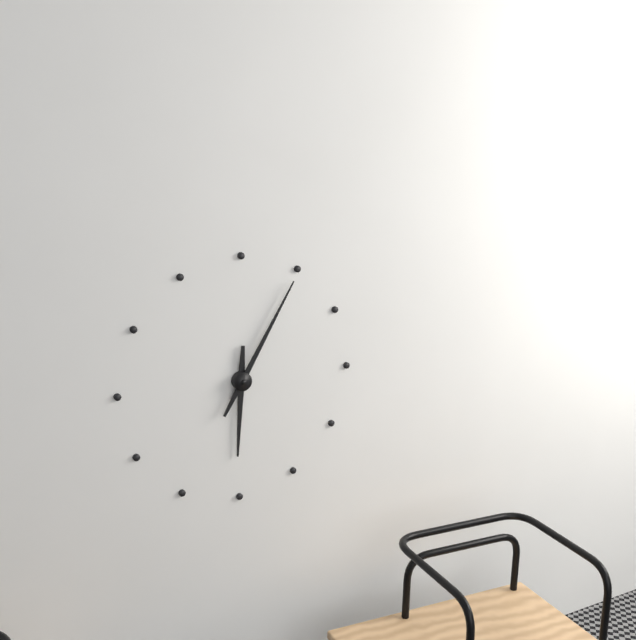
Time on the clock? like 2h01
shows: 6h05
